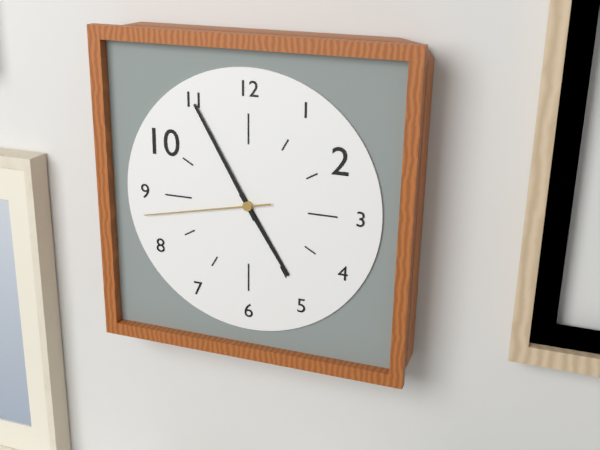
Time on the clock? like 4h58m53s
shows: 4h55m43s
